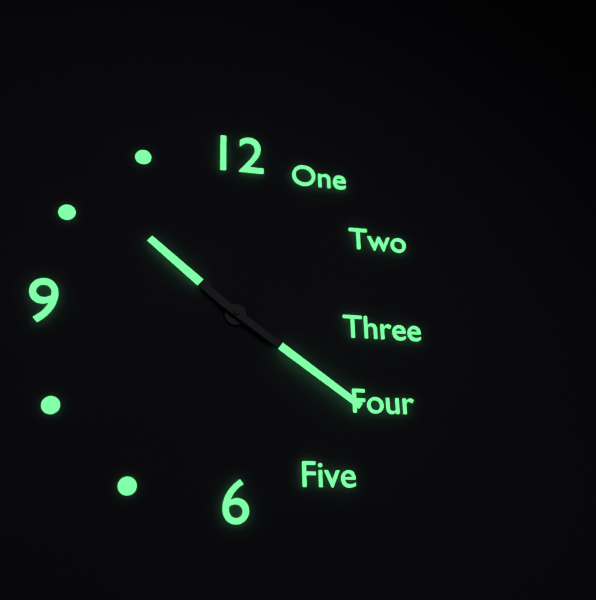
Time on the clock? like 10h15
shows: 10h21
